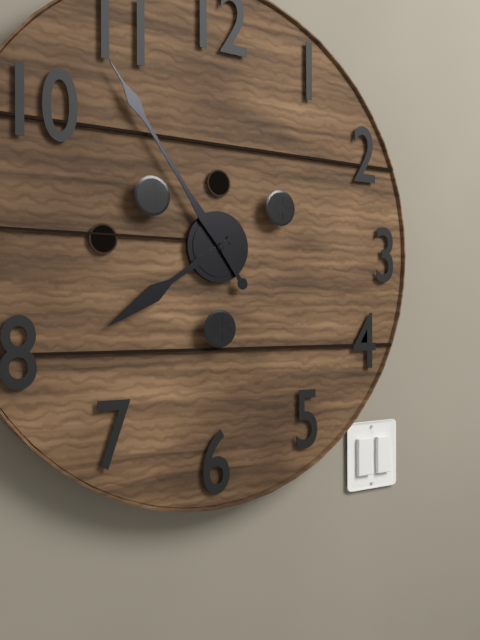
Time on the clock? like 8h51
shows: 7h54
